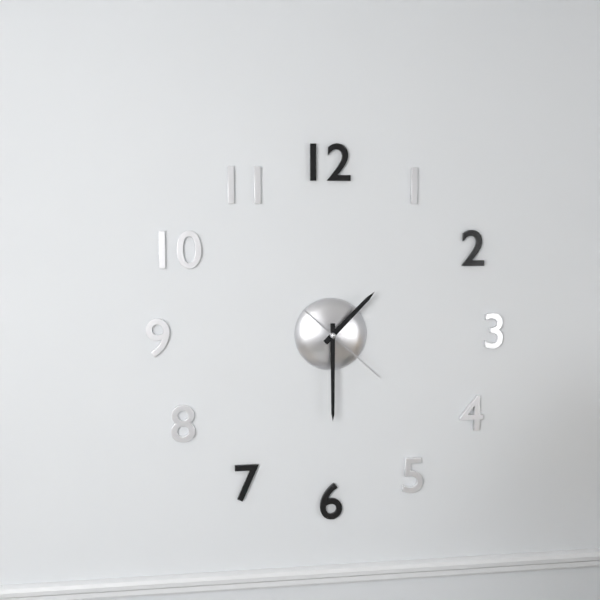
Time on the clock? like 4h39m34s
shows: 1h30m22s
